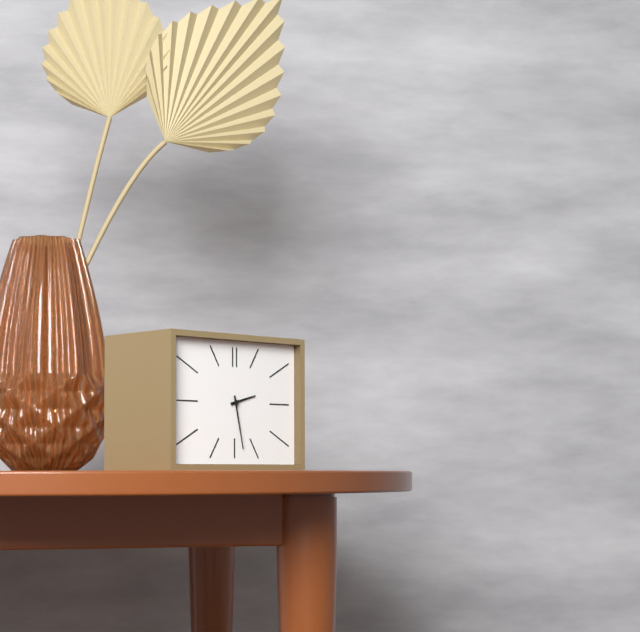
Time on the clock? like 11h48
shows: 2h28
